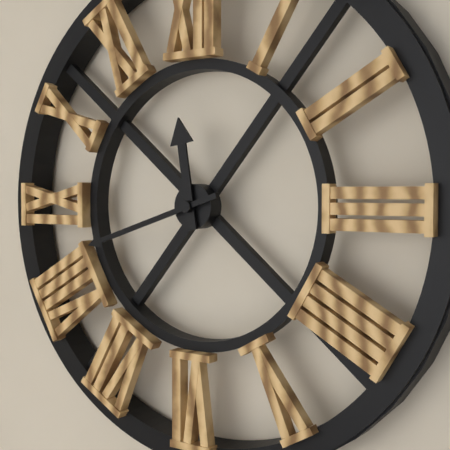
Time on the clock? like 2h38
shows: 11h42
